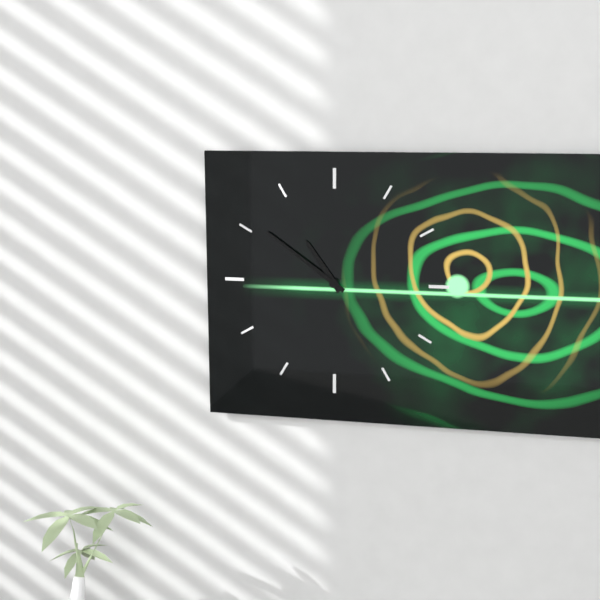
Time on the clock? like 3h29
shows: 10h51
